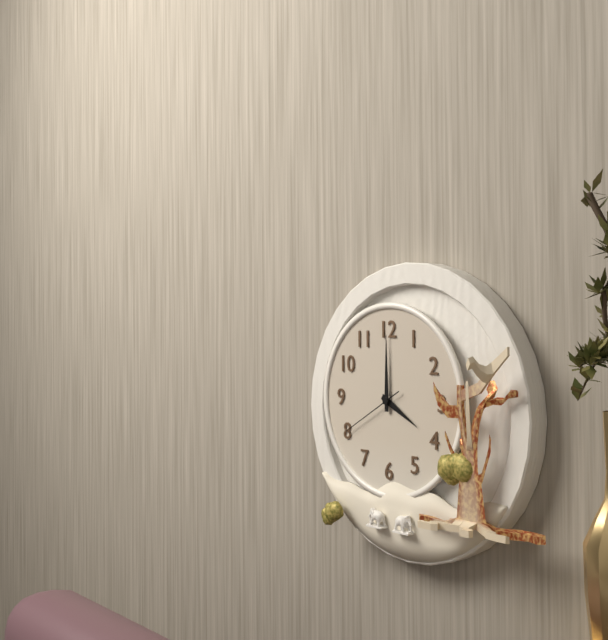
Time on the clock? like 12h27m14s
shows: 4h00m40s
